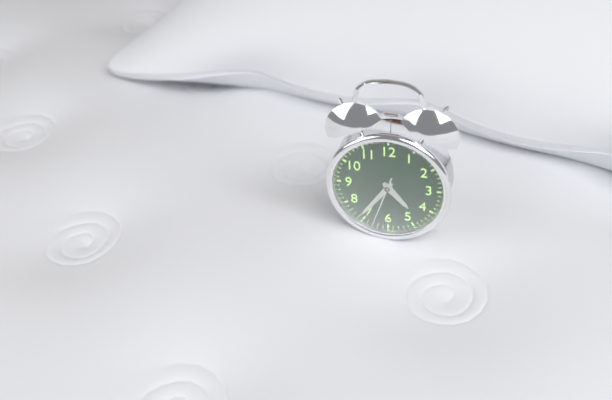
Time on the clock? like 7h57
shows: 4h36
